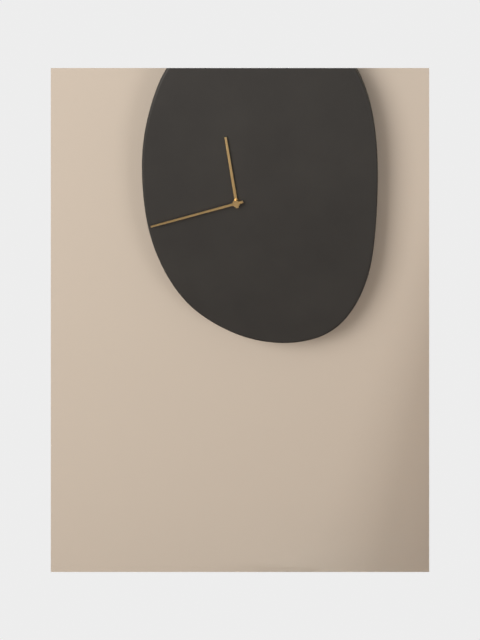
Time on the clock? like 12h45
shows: 11h42
